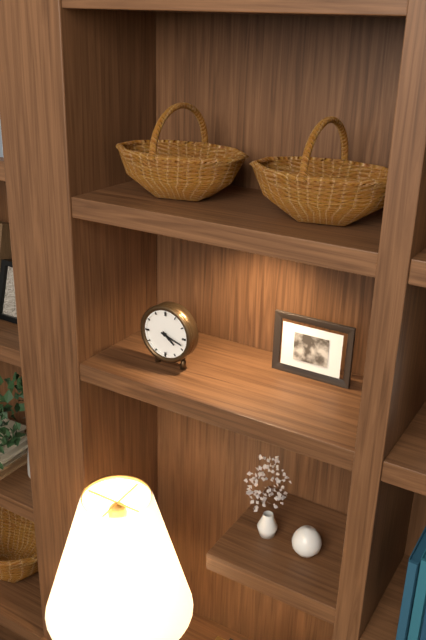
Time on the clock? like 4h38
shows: 4h18
